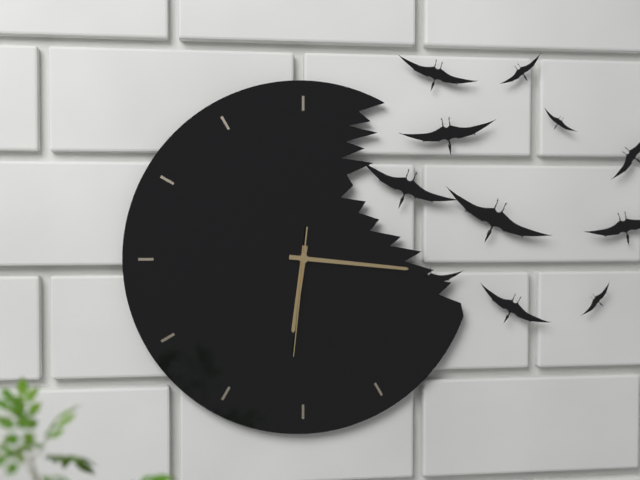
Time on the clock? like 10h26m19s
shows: 6h16m31s
